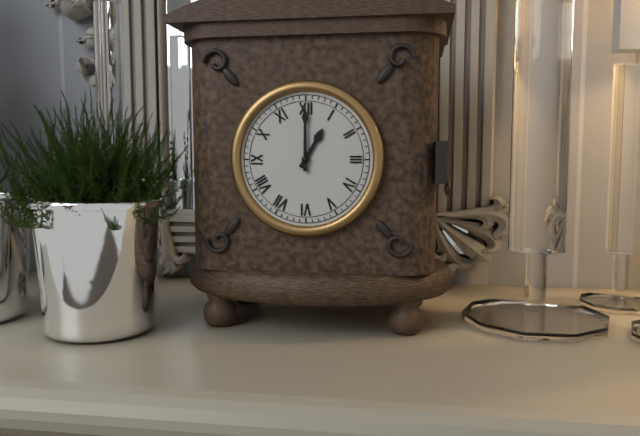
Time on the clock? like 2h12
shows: 1h00
